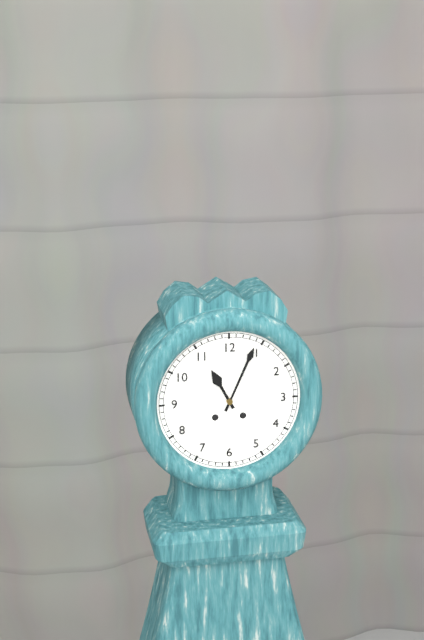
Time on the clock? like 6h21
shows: 11h04
